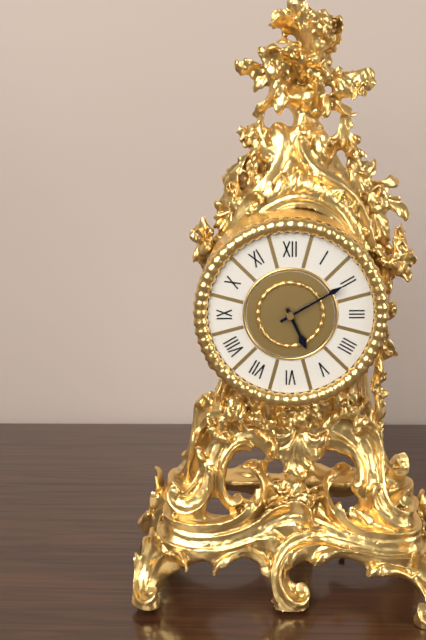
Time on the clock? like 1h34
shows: 5h10
